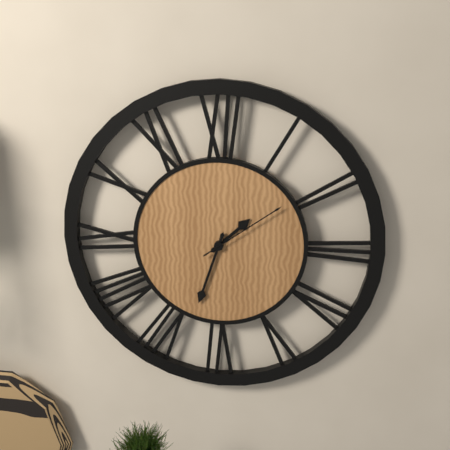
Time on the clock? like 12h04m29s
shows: 1h33m09s
